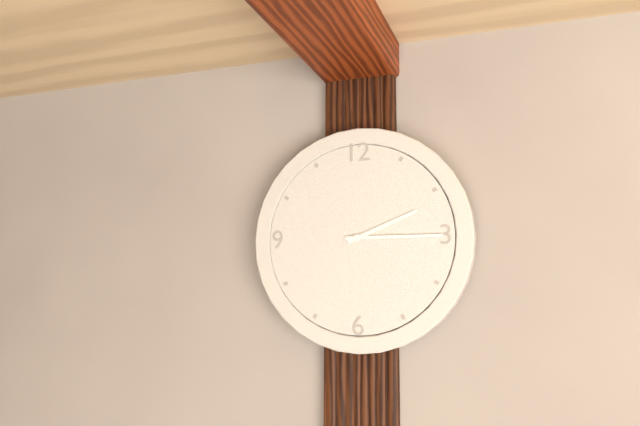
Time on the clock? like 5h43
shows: 2h15
